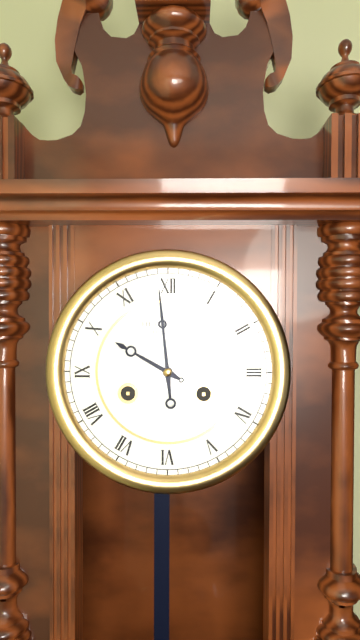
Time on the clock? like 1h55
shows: 9h59
